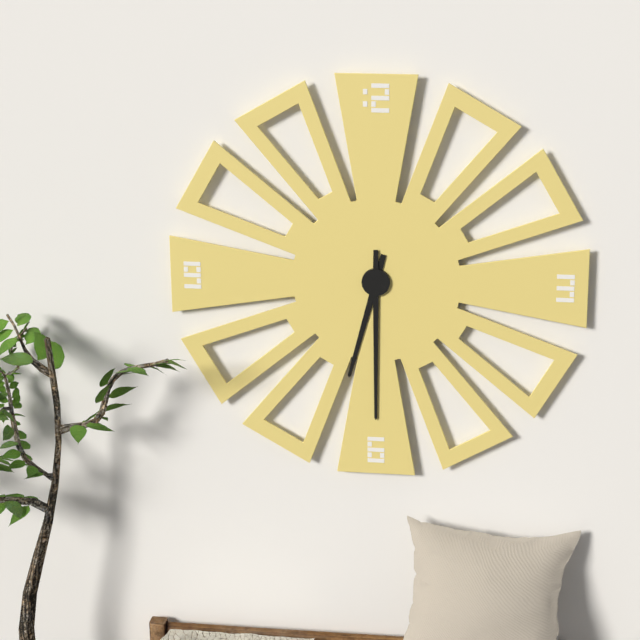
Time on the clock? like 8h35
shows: 6h30
